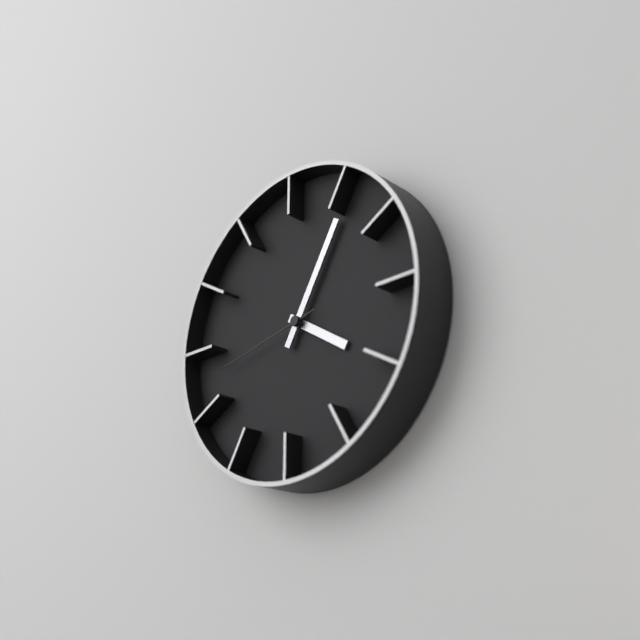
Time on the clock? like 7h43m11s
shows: 4h05m43s
